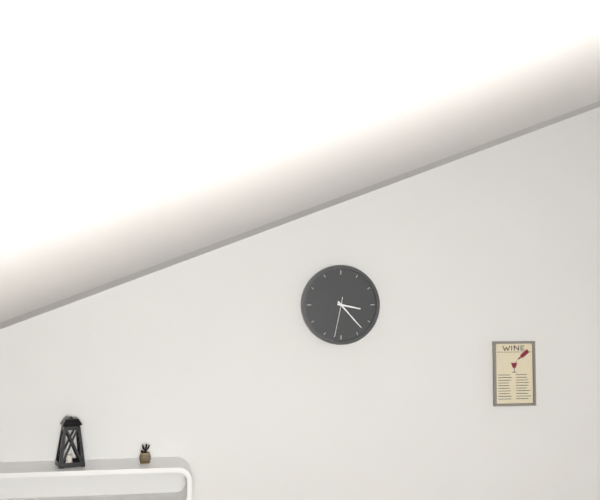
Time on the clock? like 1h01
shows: 3h23
